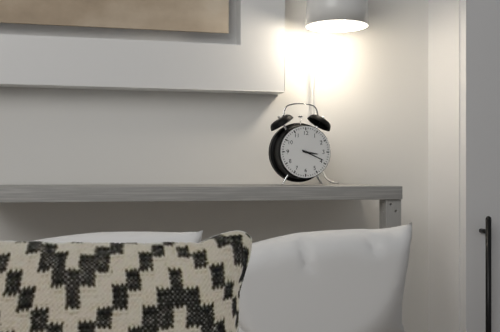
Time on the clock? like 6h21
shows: 3h19
